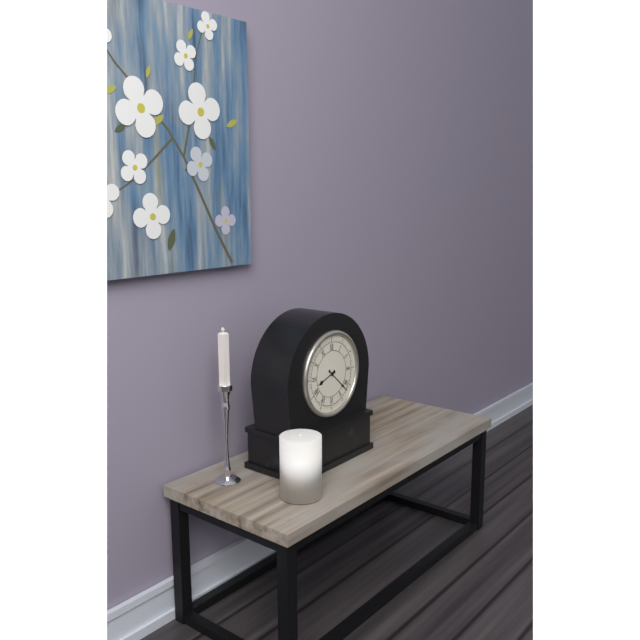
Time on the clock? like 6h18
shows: 8h22
